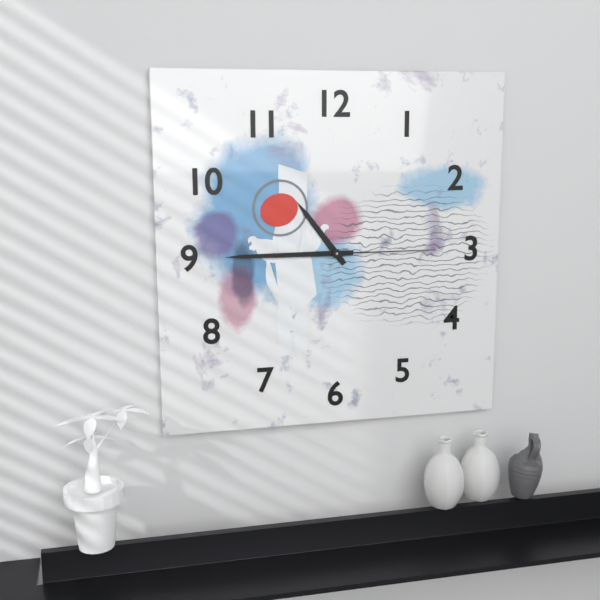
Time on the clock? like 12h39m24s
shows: 10h45m15s
